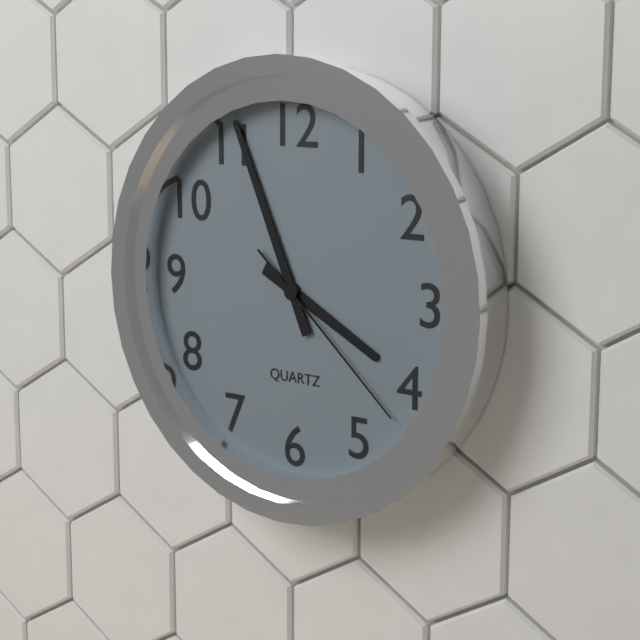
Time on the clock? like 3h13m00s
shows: 3h56m22s
